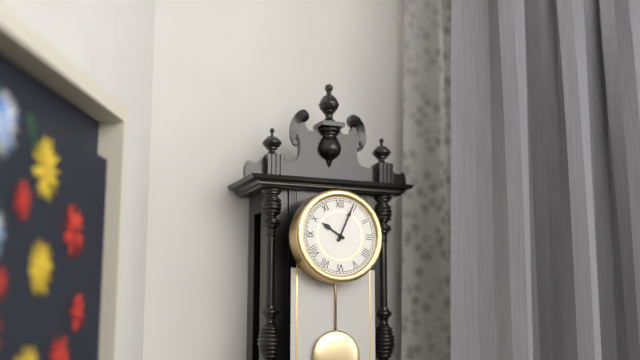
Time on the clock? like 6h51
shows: 10h04
